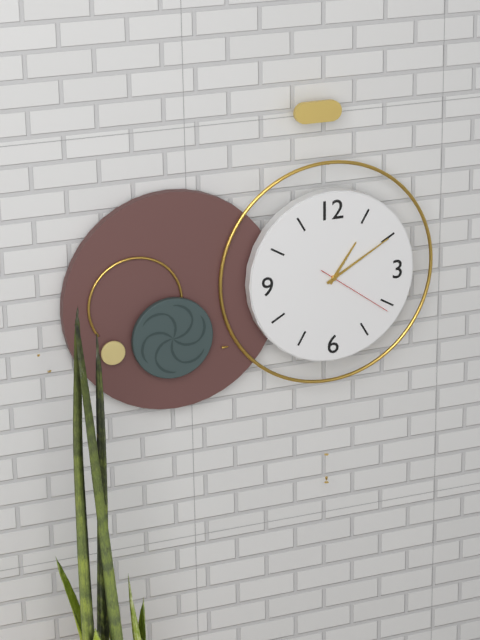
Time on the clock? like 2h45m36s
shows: 1h10m21s
